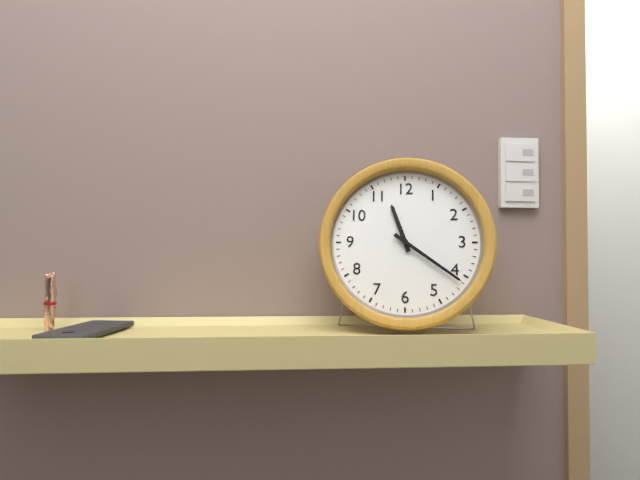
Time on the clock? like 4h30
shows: 11h21
